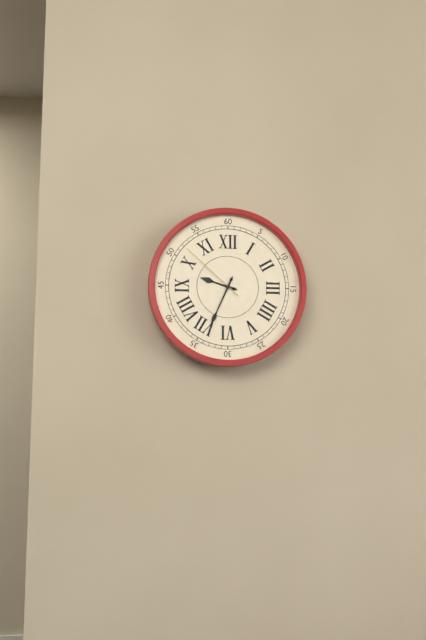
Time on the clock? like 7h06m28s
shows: 9h34m52s
